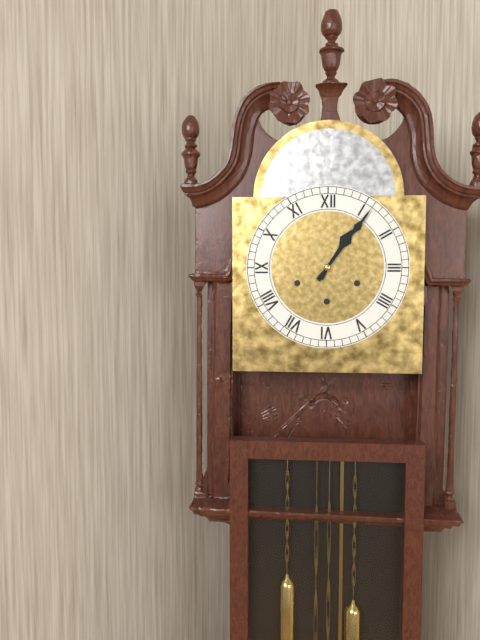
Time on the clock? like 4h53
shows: 1h06
